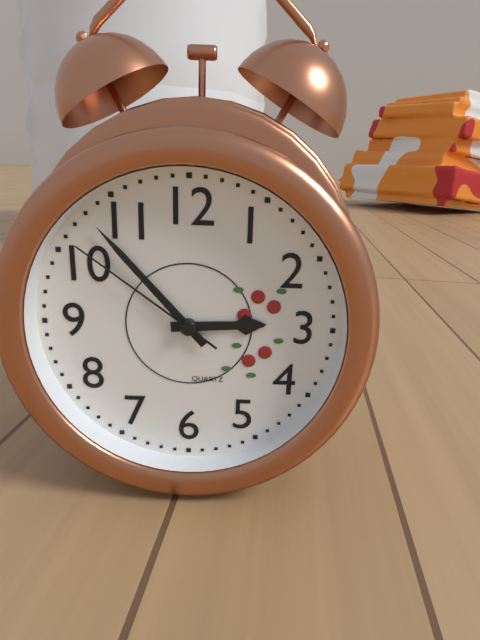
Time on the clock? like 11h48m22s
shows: 2h53m51s
